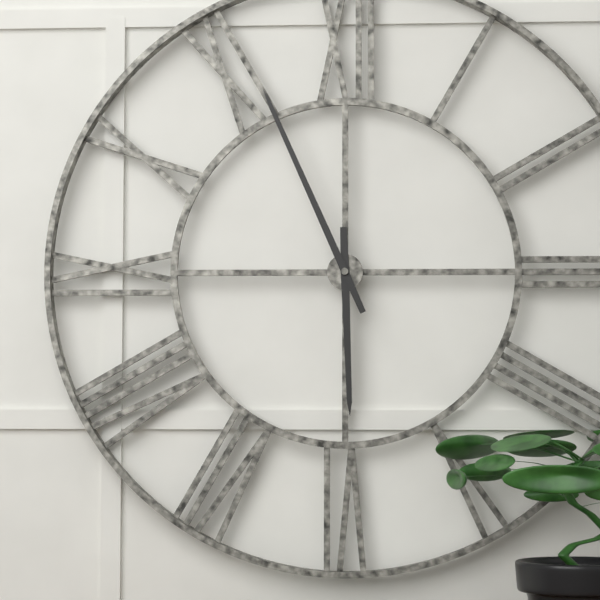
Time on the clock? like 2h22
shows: 5h56
